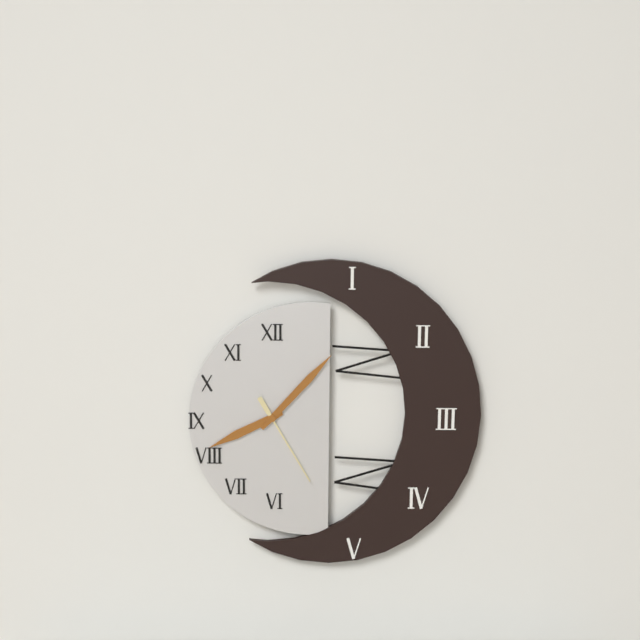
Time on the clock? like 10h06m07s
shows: 8h07m25s
